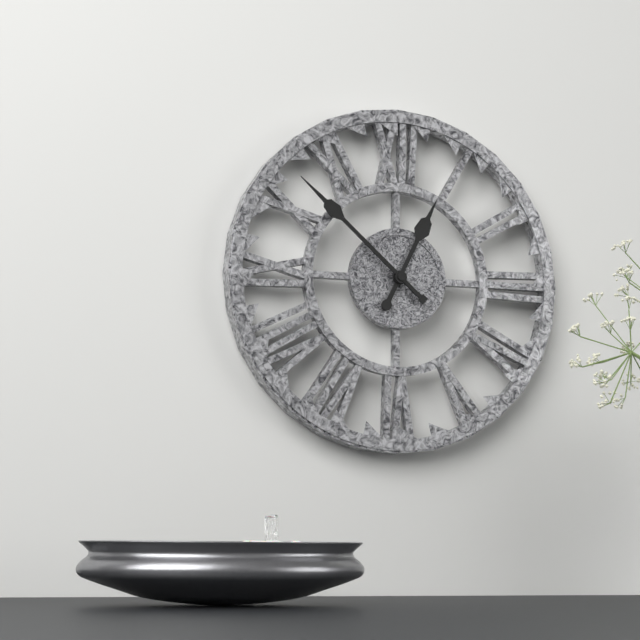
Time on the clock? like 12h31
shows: 12h52
